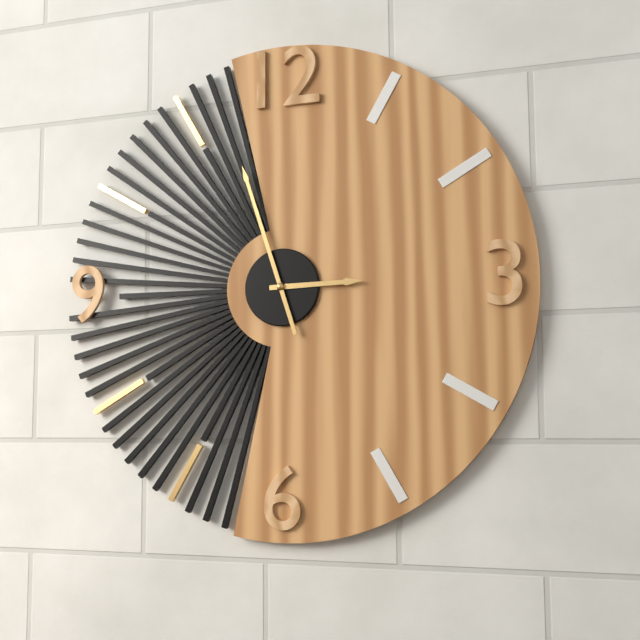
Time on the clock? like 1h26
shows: 2h57
